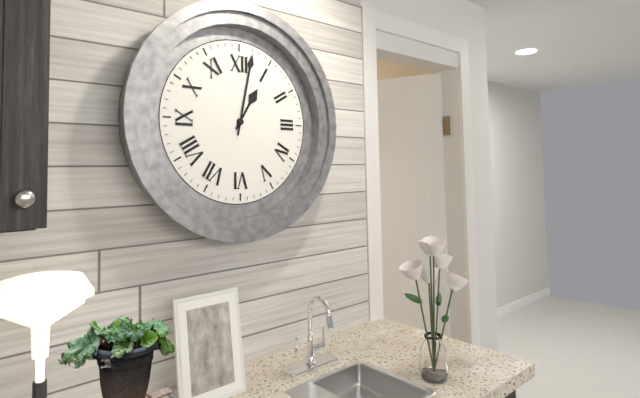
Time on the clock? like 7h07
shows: 1h02
